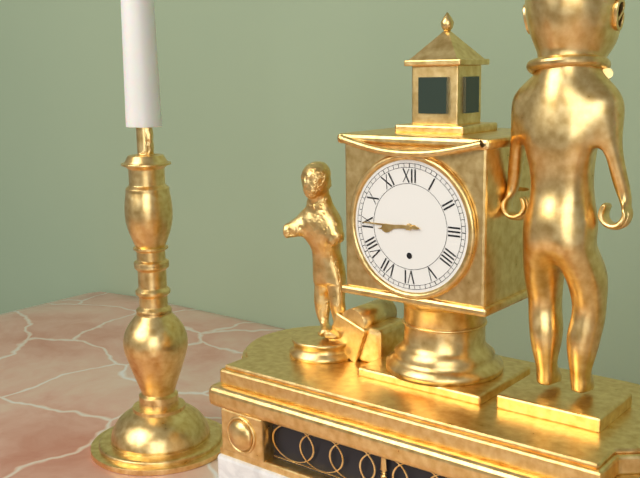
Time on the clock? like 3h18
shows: 8h45
